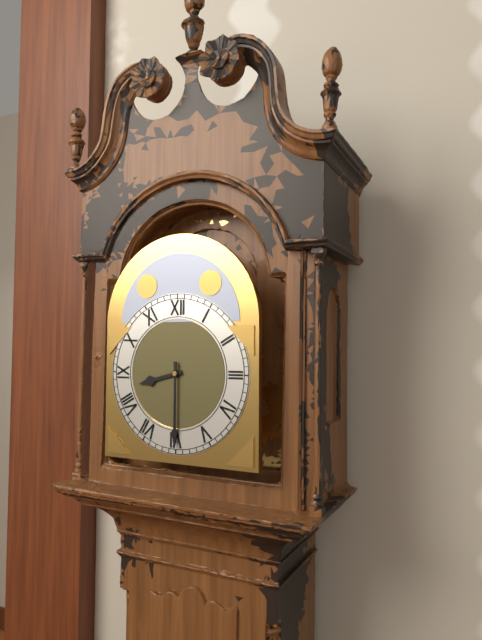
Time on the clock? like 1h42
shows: 8h30
